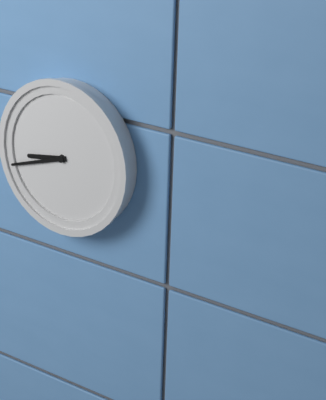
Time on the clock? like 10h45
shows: 8h42
